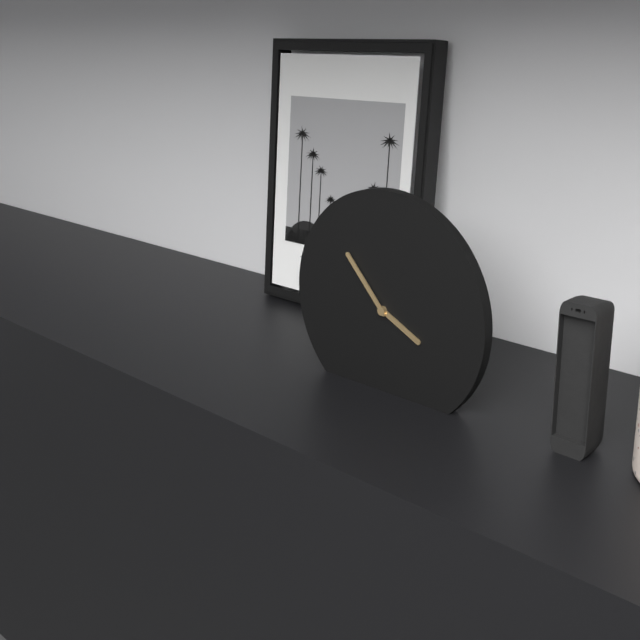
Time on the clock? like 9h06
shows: 3h53
